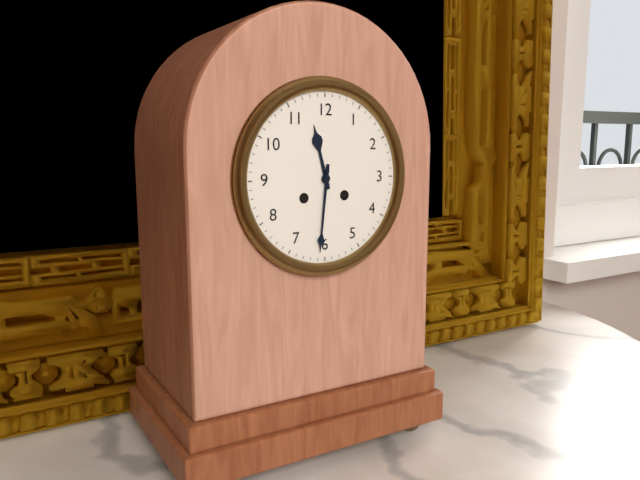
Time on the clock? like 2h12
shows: 11h31
